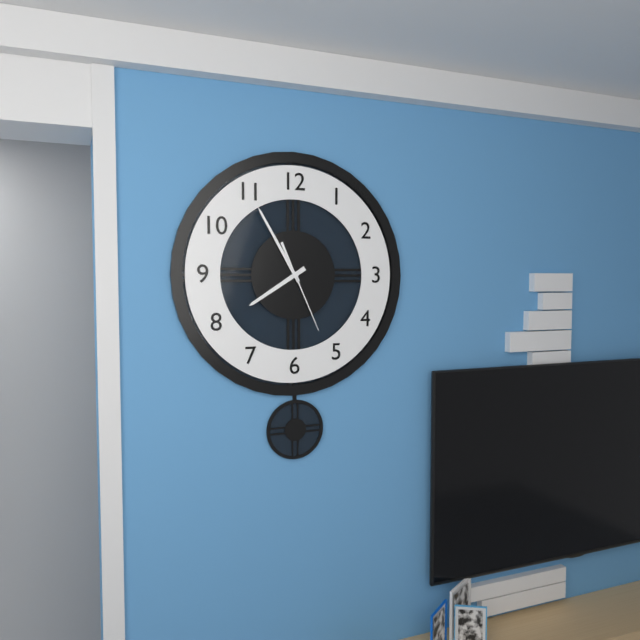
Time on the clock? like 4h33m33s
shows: 7h55m26s
